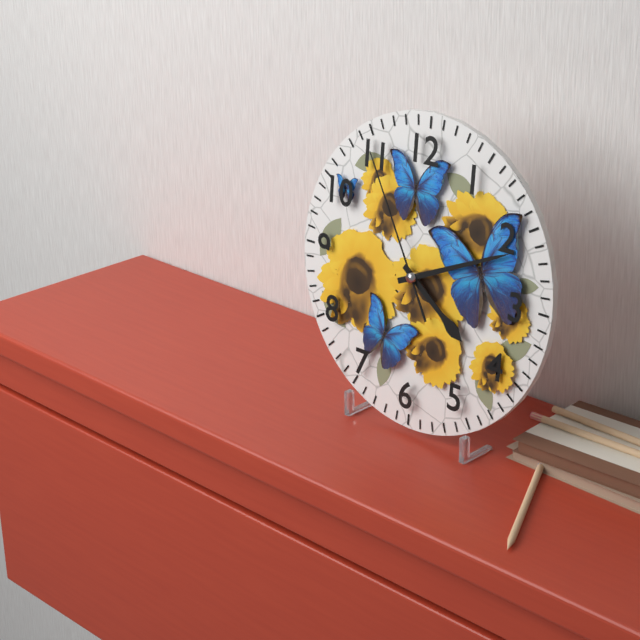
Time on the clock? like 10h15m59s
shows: 4h11m55s
